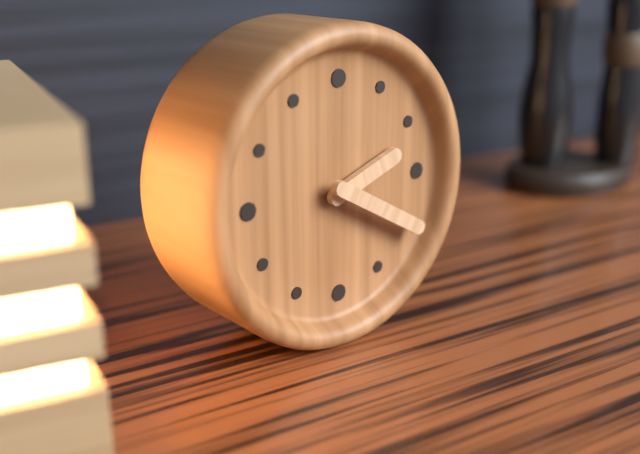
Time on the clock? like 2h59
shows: 2h20
